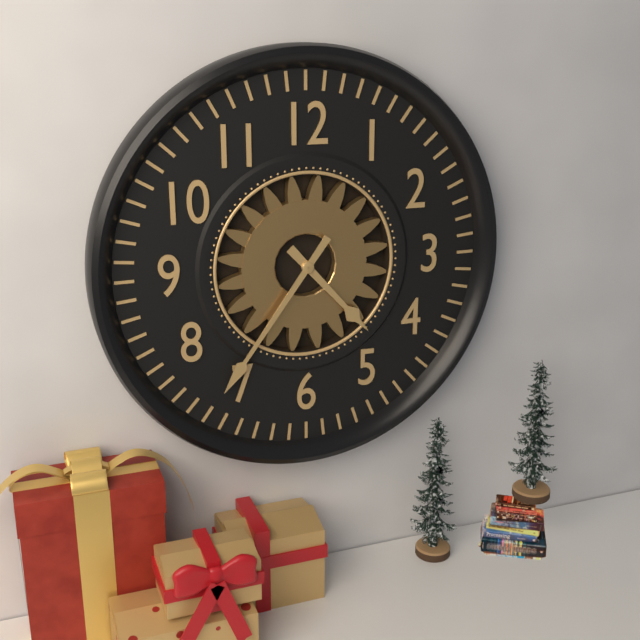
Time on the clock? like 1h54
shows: 4h36
